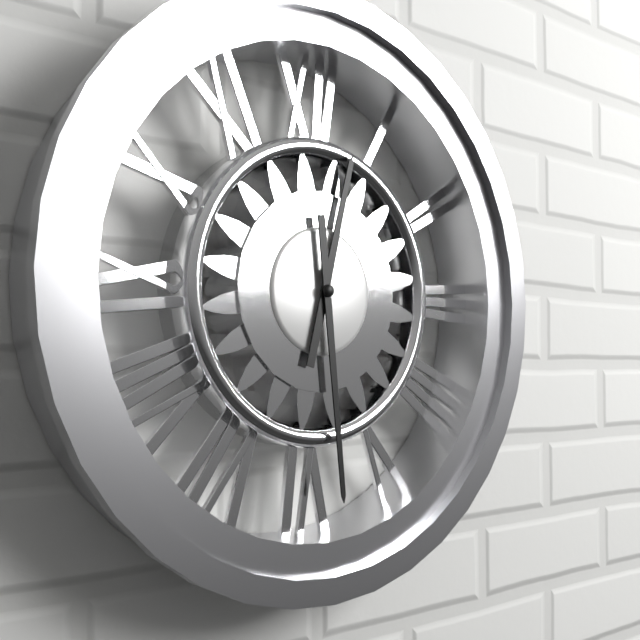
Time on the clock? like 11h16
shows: 12h29
